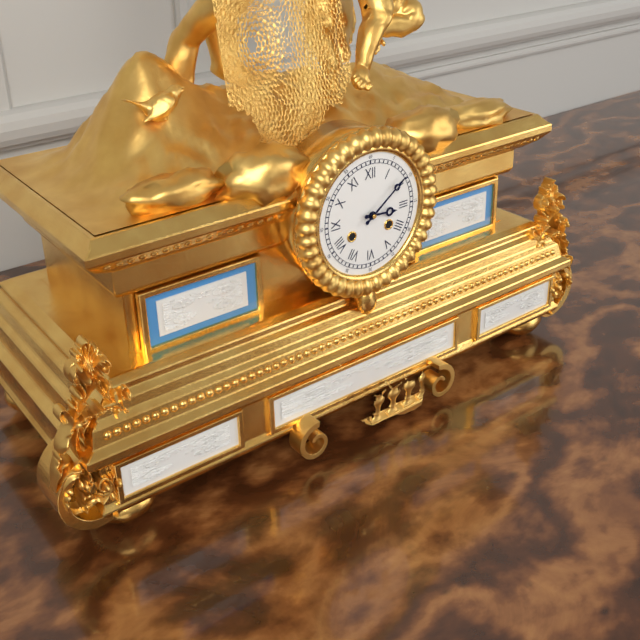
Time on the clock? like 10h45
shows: 3h09
